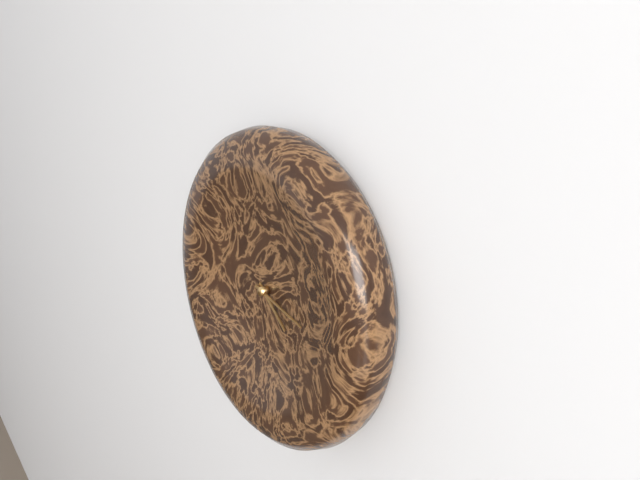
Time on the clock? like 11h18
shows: 4h17
